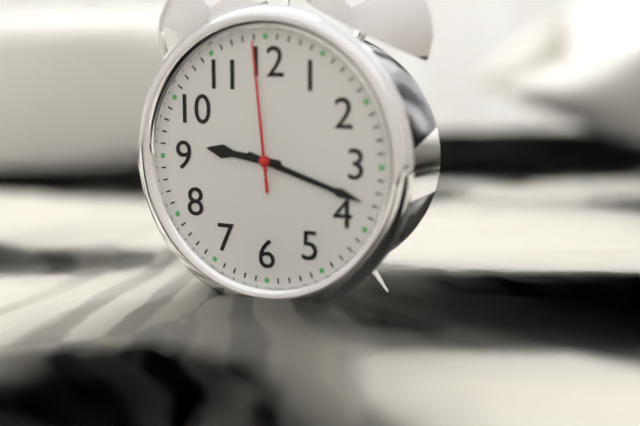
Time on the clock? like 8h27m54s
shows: 9h18m59s
